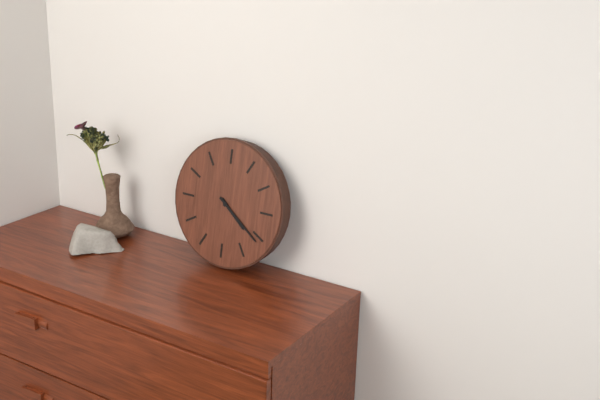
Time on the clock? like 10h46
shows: 4h21
